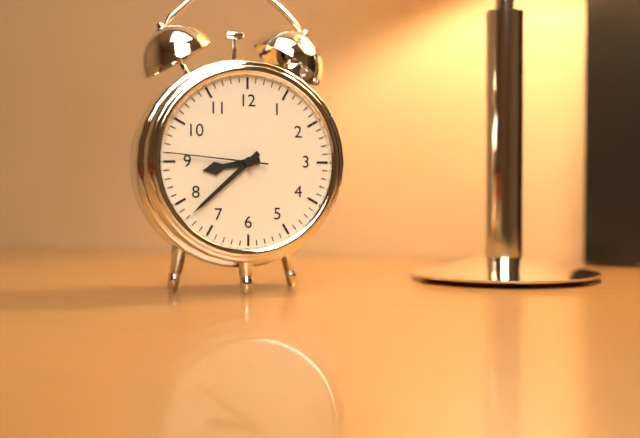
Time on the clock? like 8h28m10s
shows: 8h38m46s
